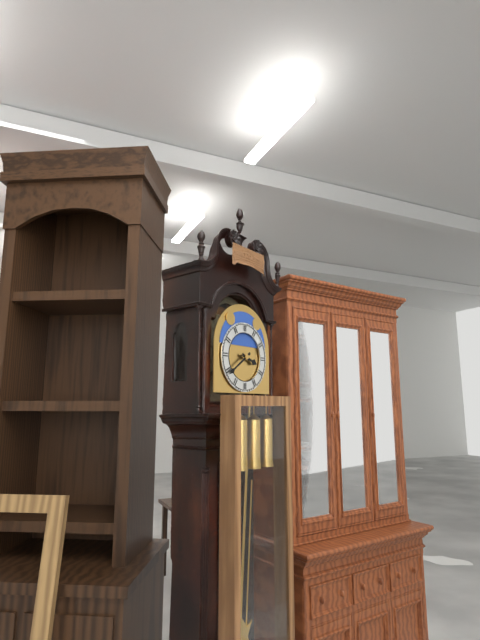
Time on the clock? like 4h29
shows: 3h39
